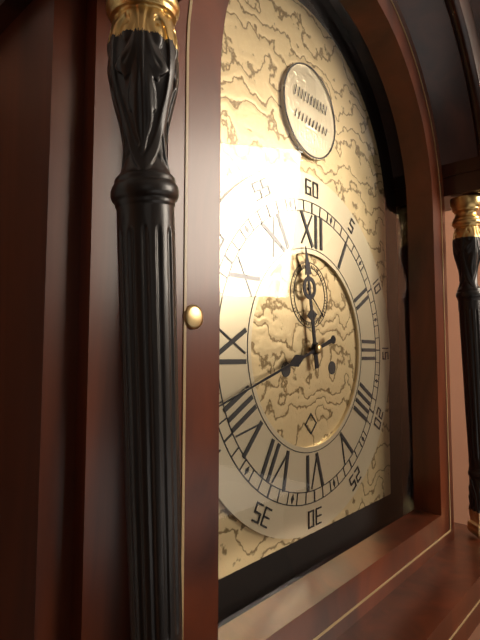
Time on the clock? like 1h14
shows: 11h42
